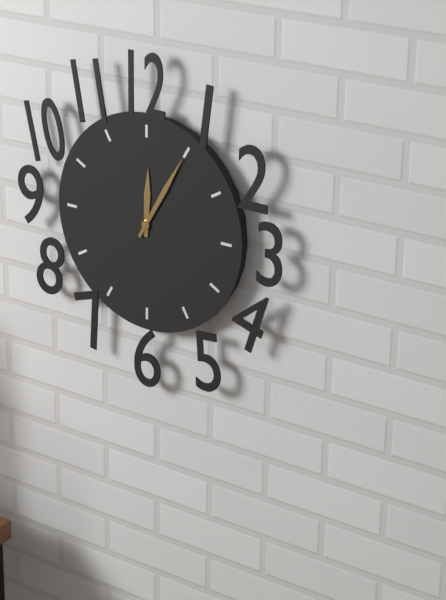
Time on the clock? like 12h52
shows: 12h05
